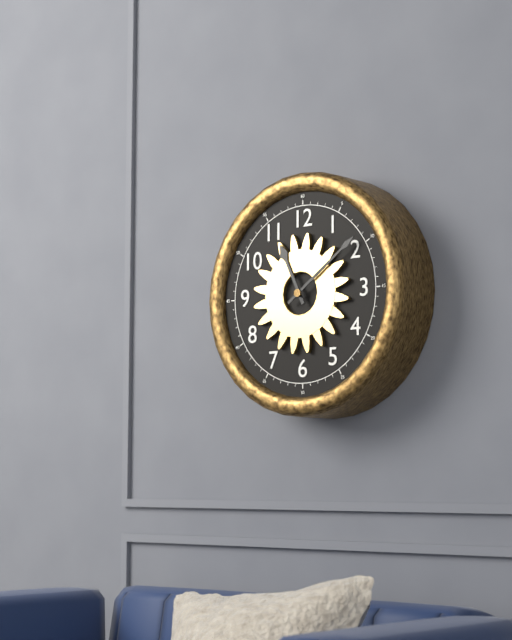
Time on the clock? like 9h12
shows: 11h09
